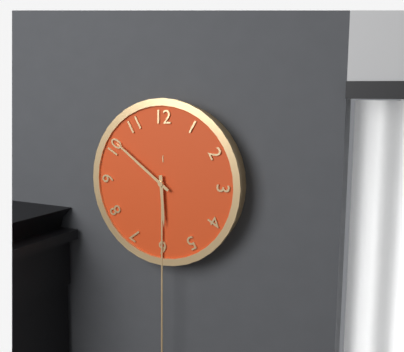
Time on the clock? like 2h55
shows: 5h51
